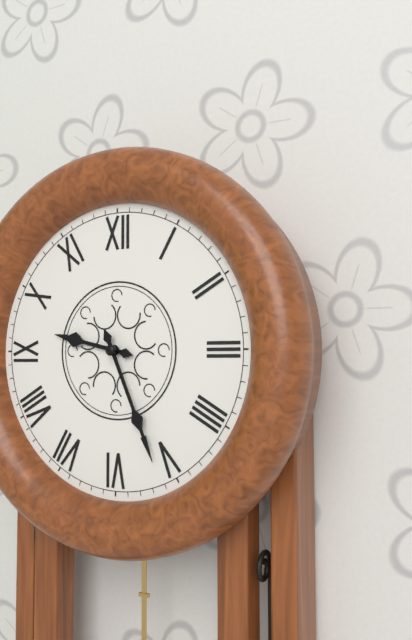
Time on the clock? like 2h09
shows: 9h26
